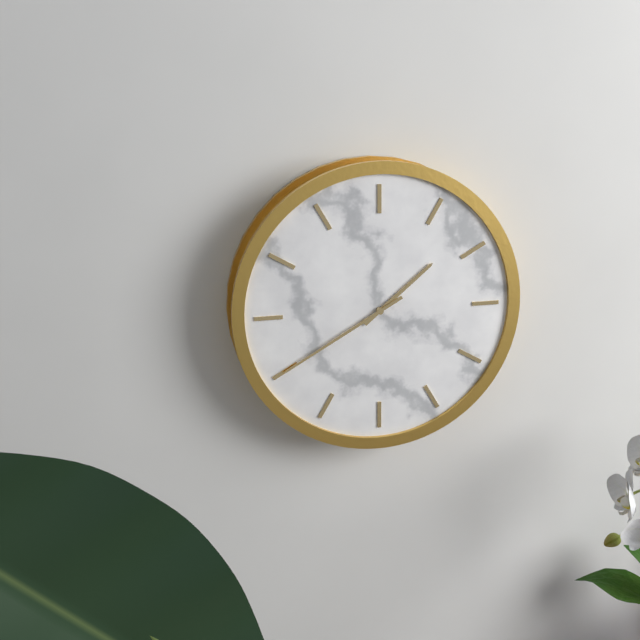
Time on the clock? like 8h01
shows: 1h40
